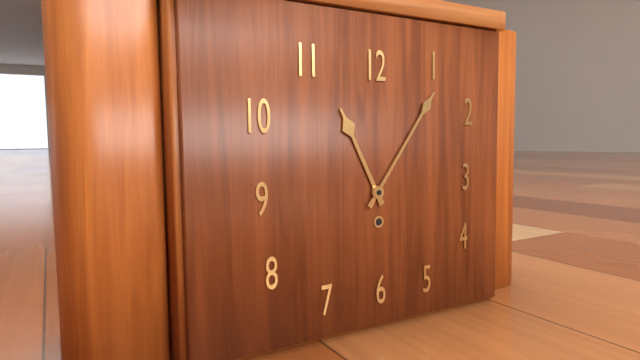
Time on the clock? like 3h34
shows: 11h06
